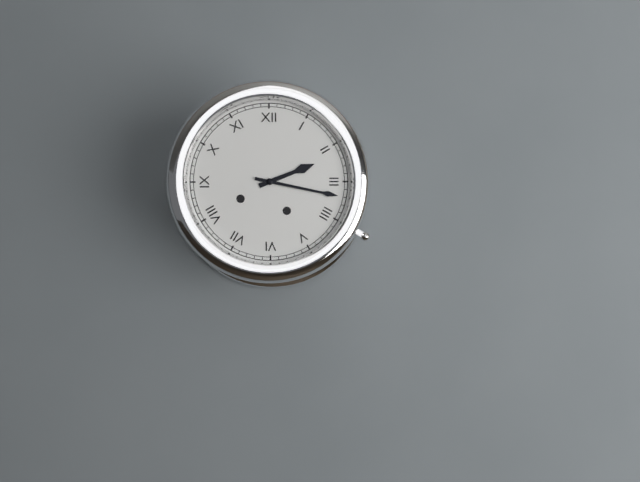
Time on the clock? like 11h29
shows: 2h17
